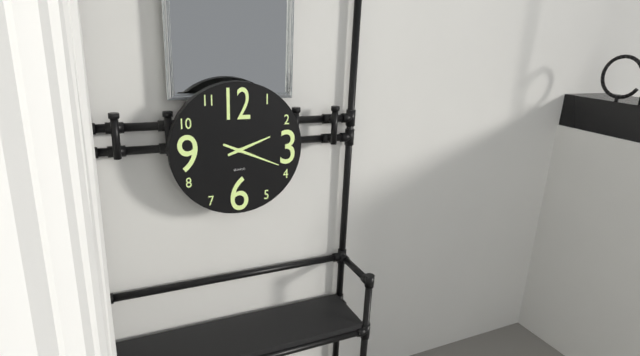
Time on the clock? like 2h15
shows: 2h19
